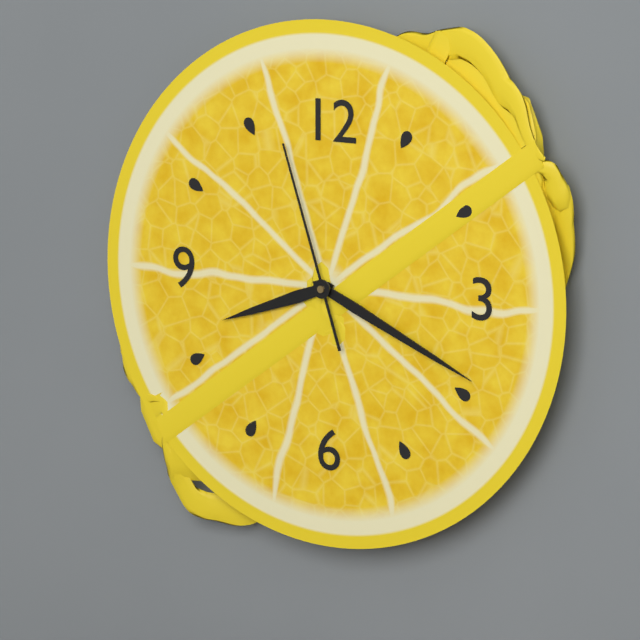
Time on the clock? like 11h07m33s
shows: 8h19m57s
